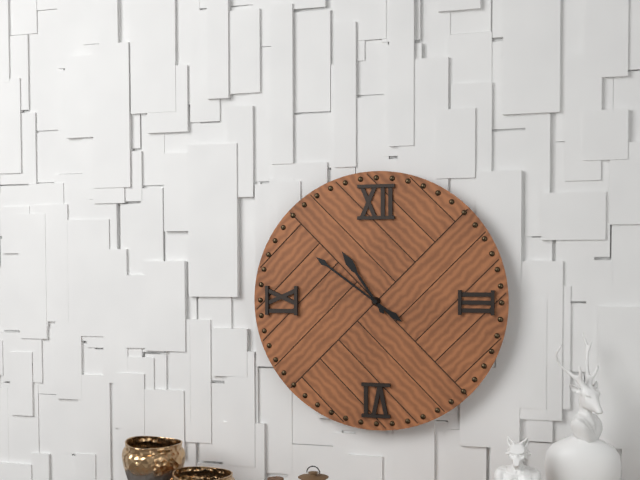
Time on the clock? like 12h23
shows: 10h51
